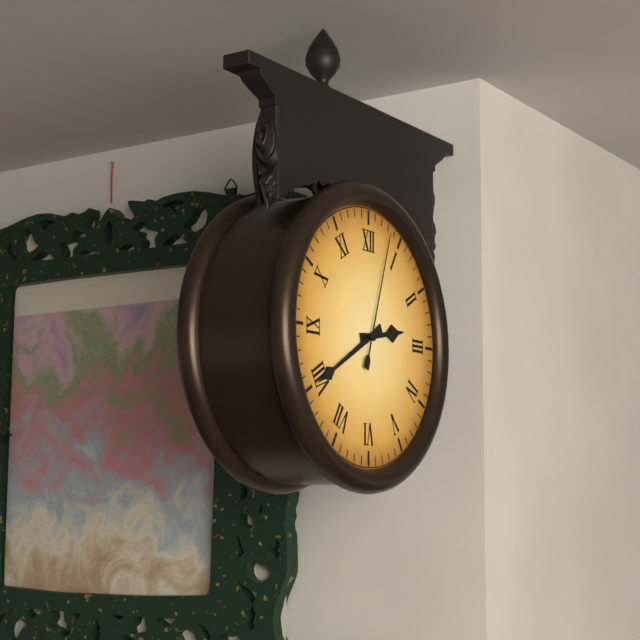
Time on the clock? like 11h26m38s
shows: 2h40m03s
